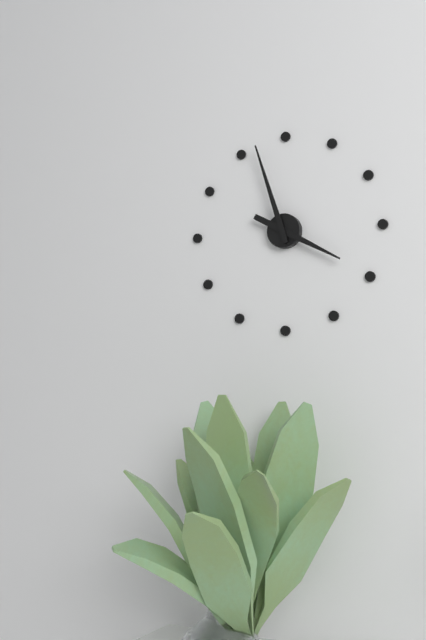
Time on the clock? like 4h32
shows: 3h57
